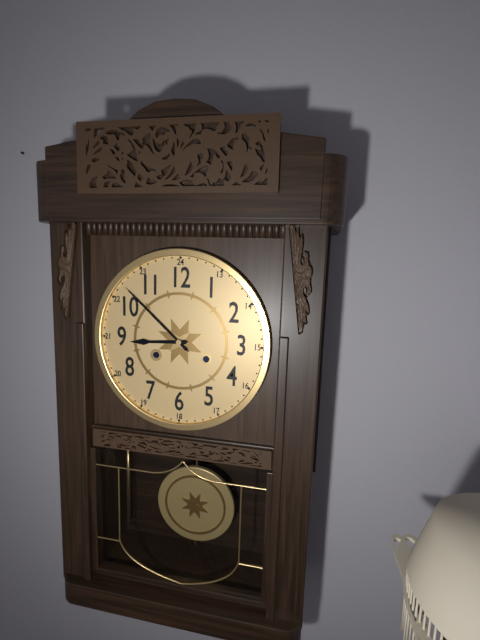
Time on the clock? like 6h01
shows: 8h52
